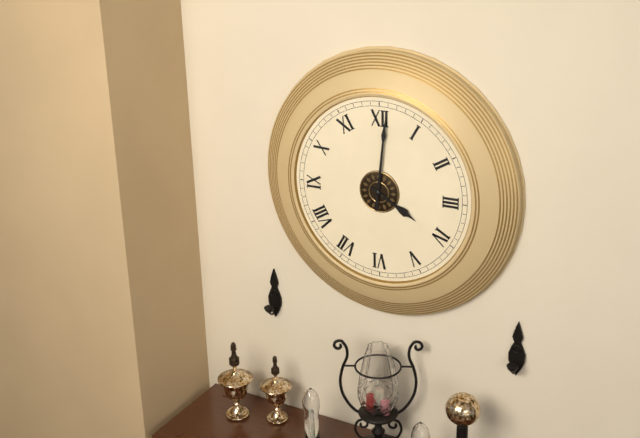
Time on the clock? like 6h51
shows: 4h01
